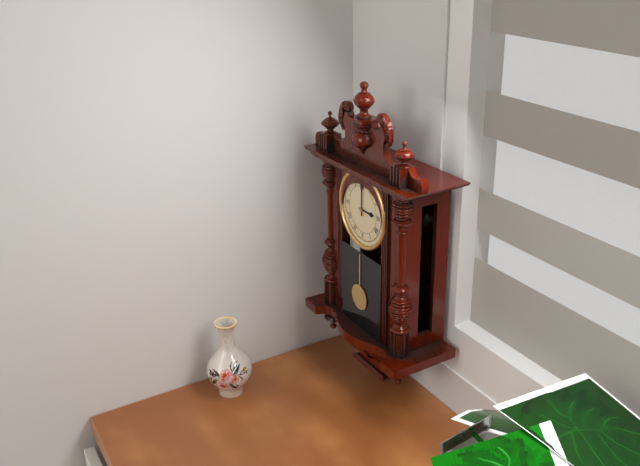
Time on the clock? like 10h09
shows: 3h00
